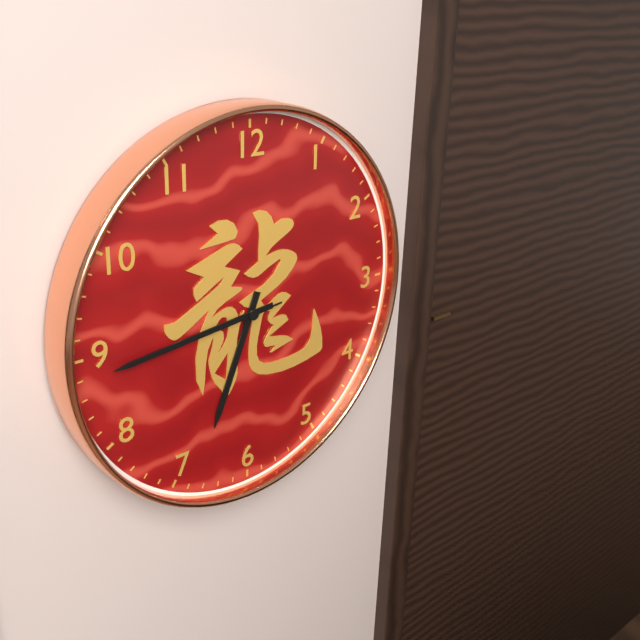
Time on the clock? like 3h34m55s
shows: 6h44m44s
